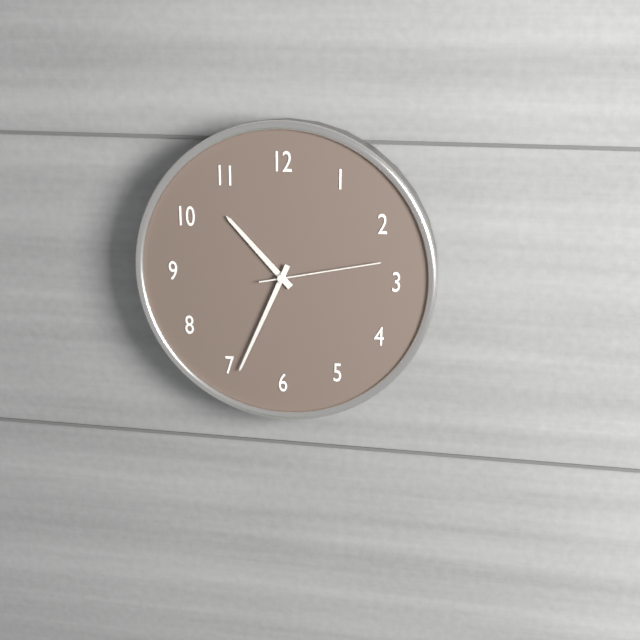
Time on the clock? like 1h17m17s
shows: 10h34m13s
